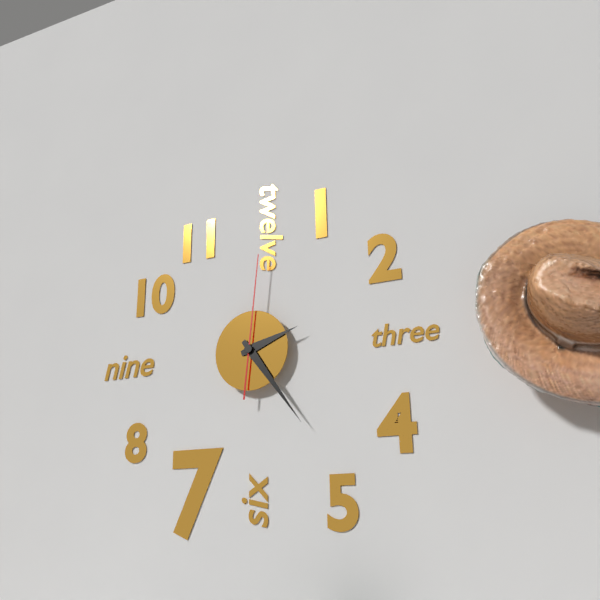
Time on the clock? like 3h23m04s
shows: 2h24m01s
